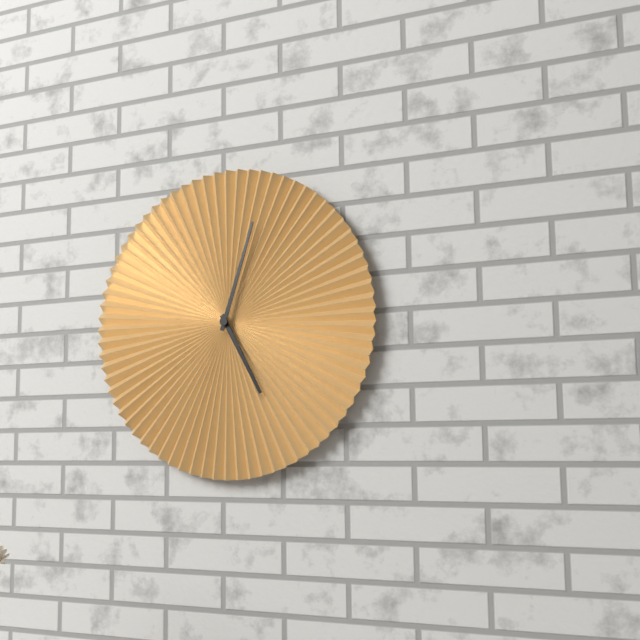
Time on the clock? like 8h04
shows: 5h03
